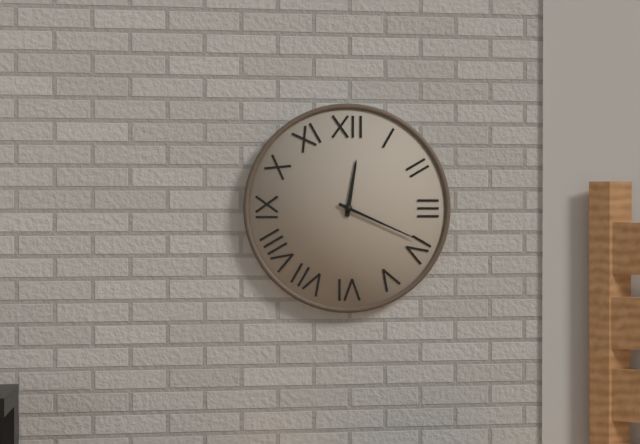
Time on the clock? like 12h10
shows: 12h19
